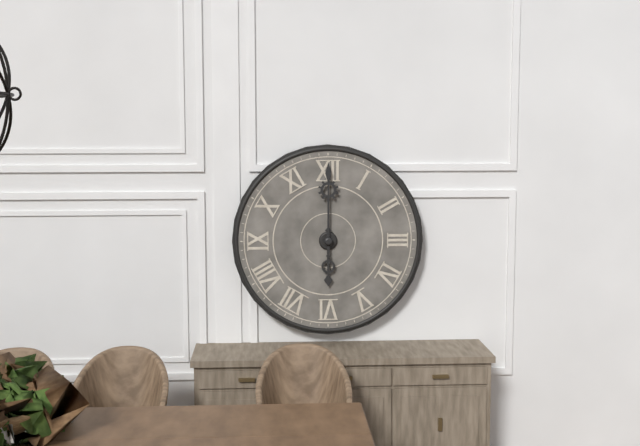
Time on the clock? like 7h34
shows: 6h00
